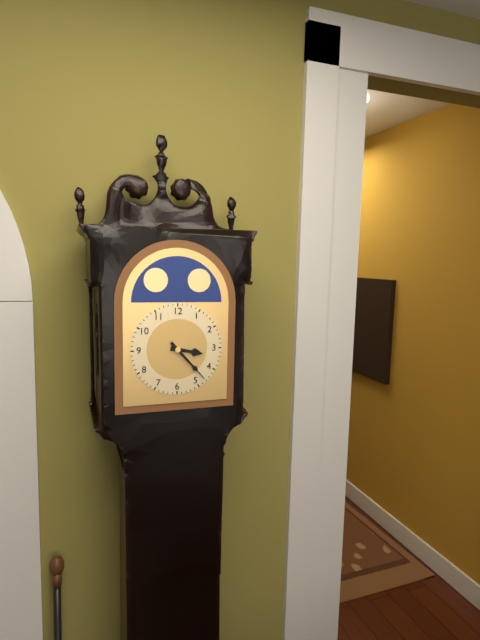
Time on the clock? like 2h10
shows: 3h23
